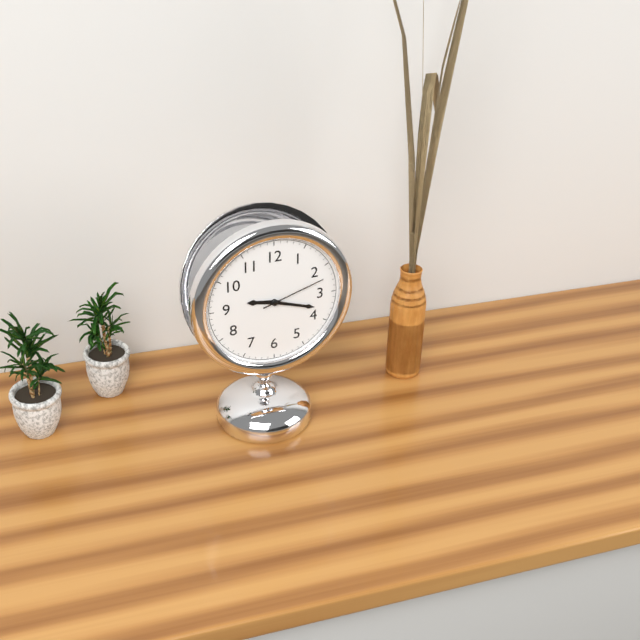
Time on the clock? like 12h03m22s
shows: 9h18m12s
